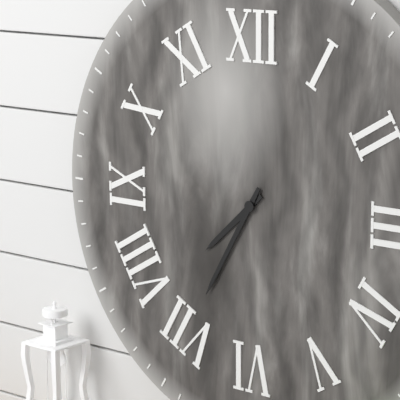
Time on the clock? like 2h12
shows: 7h35
